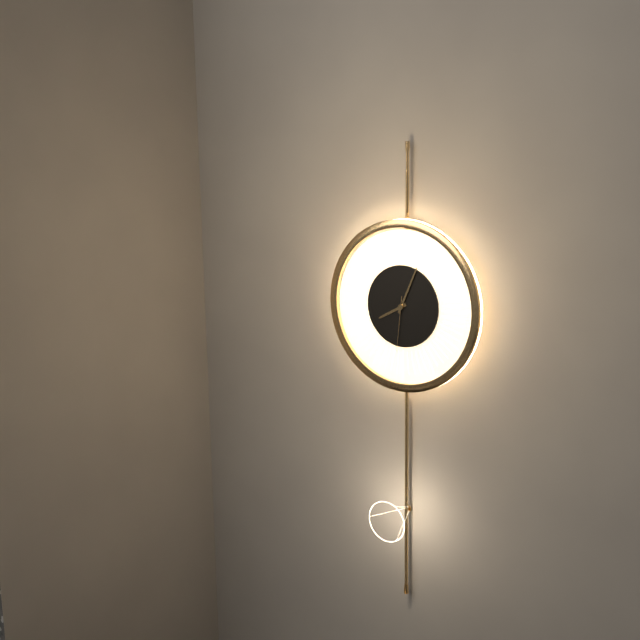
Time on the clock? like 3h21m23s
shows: 8h04m31s
